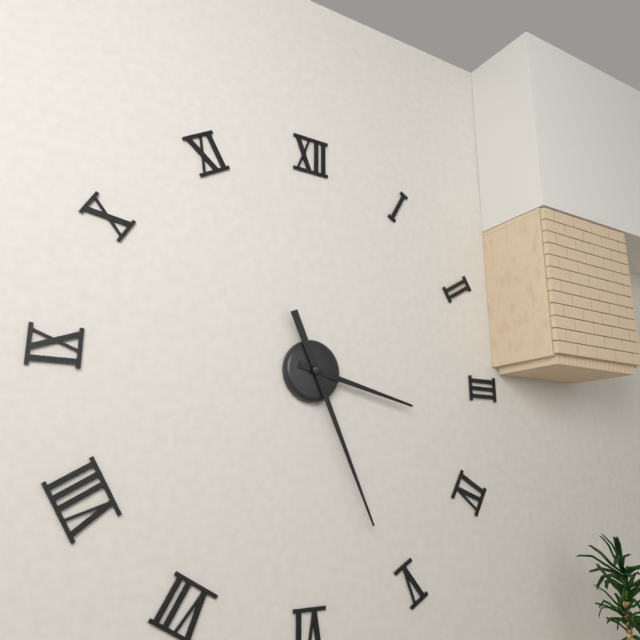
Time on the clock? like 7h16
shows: 3h26
